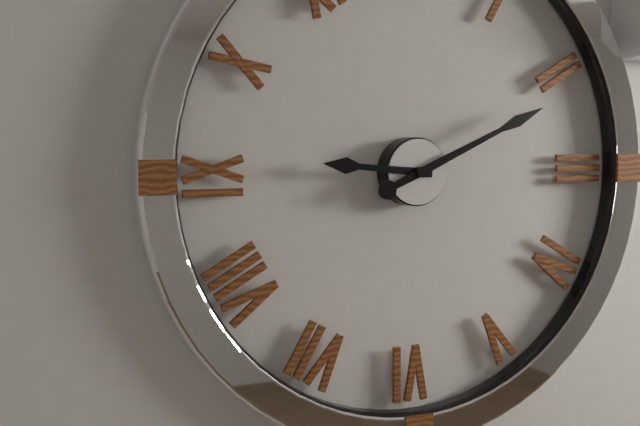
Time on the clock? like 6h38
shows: 9h11
